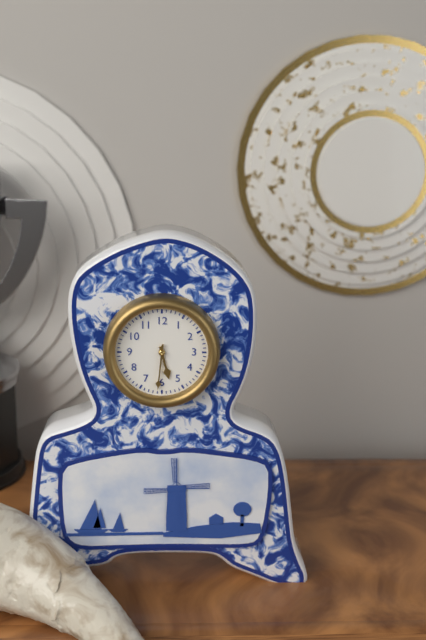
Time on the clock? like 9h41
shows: 5h31
